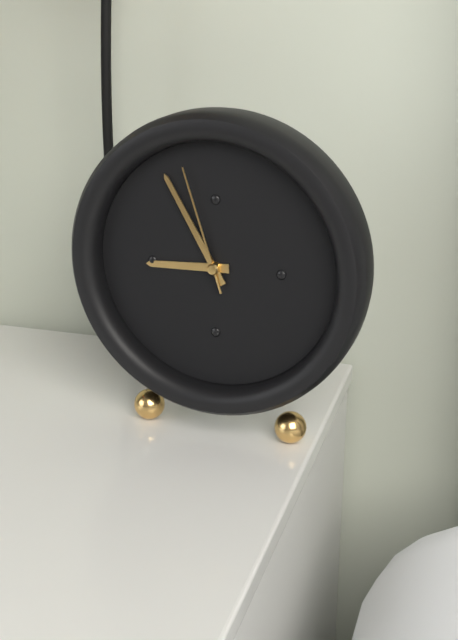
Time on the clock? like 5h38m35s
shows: 8h55m57s
